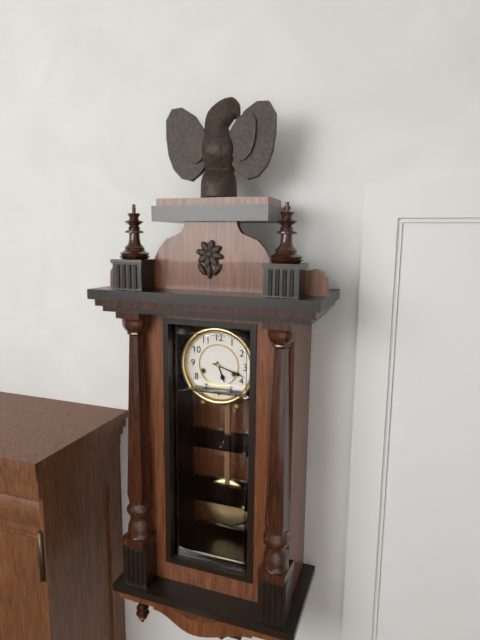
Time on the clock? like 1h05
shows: 5h18
